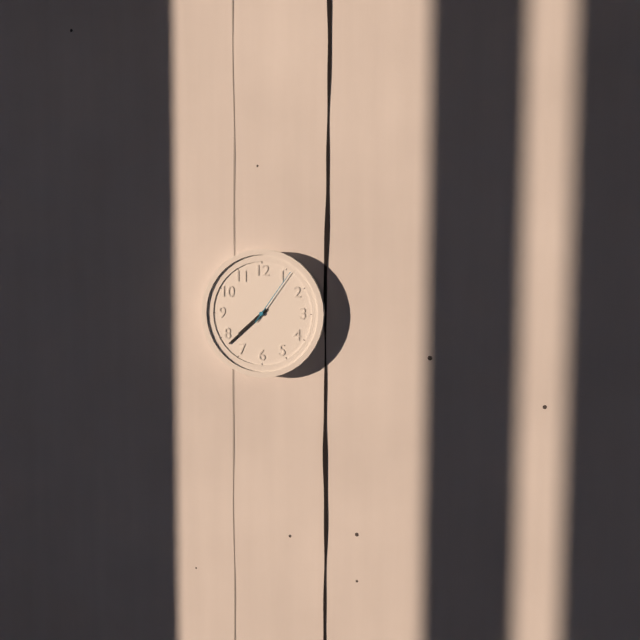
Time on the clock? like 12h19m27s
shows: 7h38m06s
